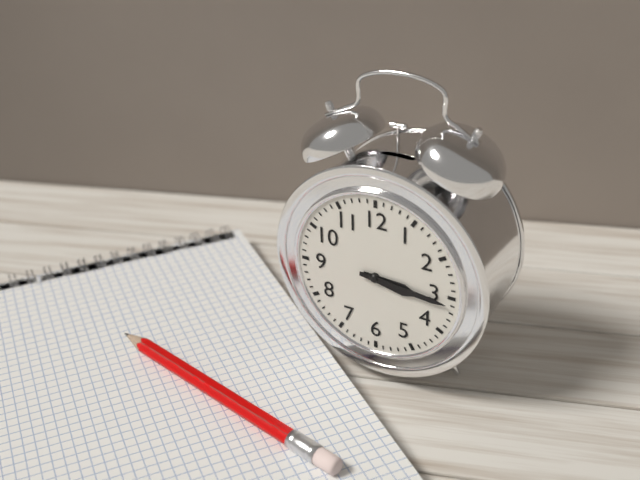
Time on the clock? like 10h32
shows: 3h16
